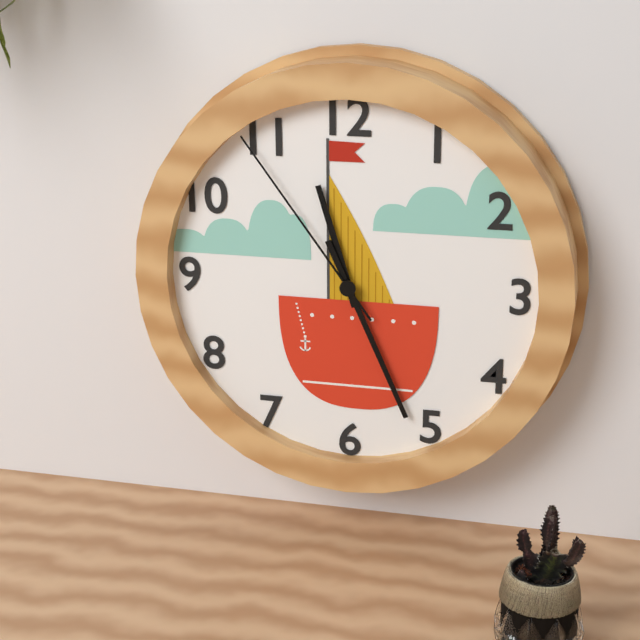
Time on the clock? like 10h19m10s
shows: 11h26m54s
